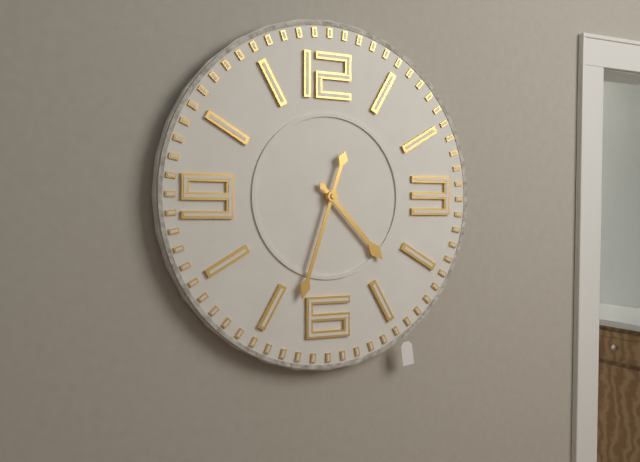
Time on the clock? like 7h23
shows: 4h33
